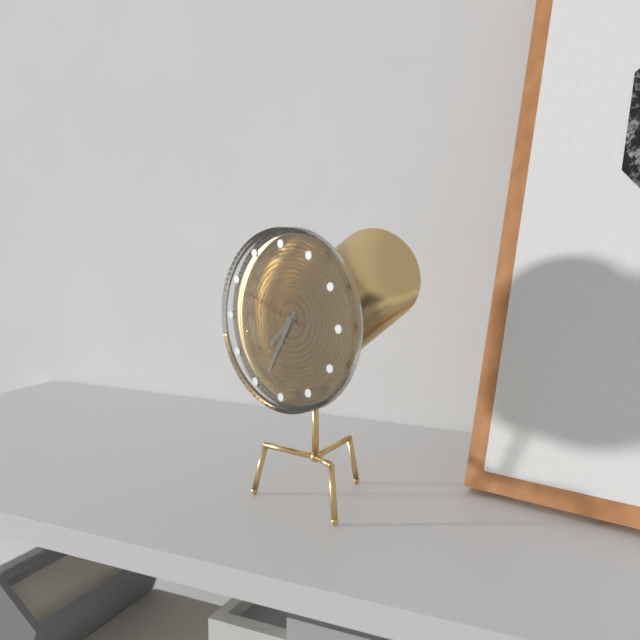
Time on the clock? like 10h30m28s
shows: 7h35m48s
